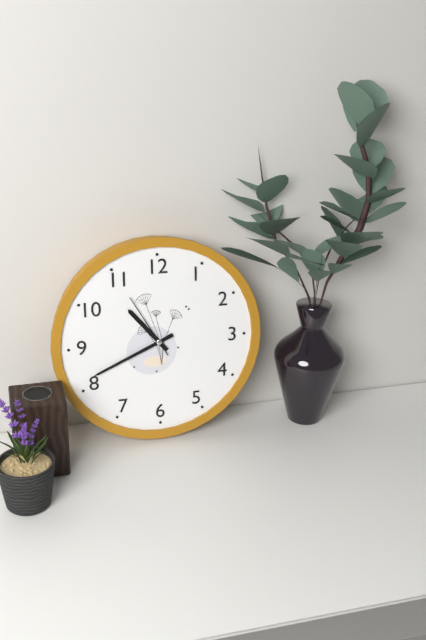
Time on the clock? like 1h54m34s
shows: 10h41m55s
